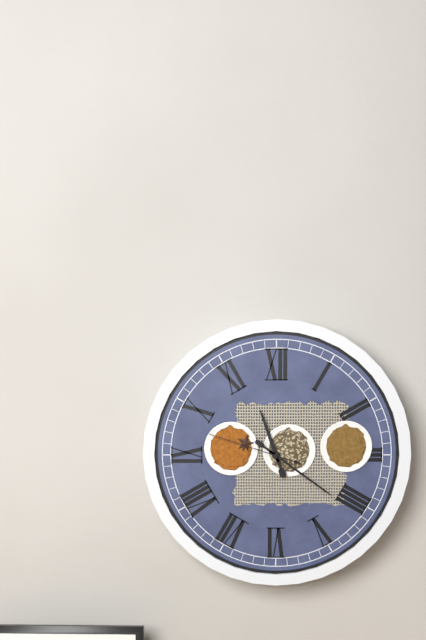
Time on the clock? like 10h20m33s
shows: 11h21m48s
